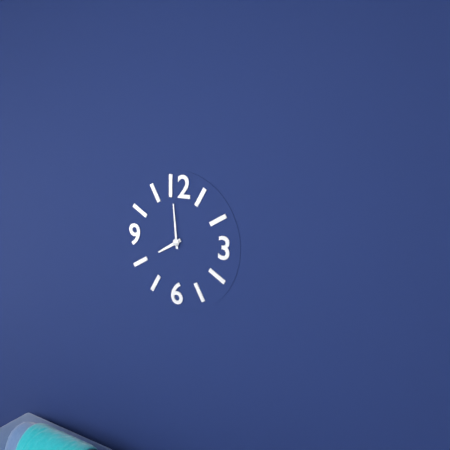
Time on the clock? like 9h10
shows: 7h59
